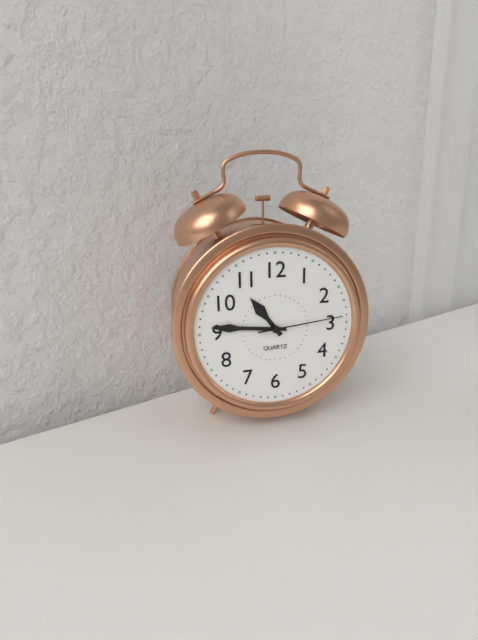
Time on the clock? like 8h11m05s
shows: 10h46m14s
